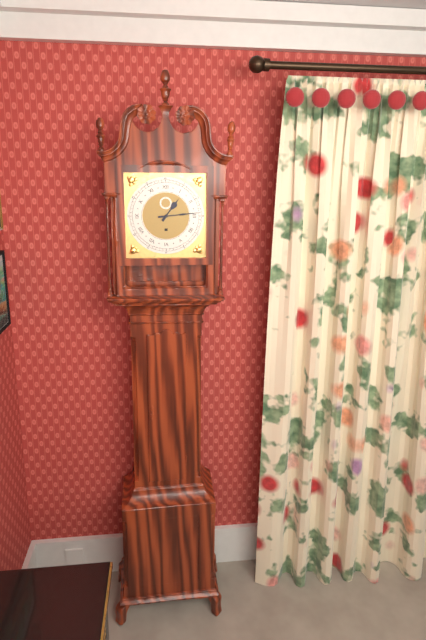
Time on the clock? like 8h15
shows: 1h14
